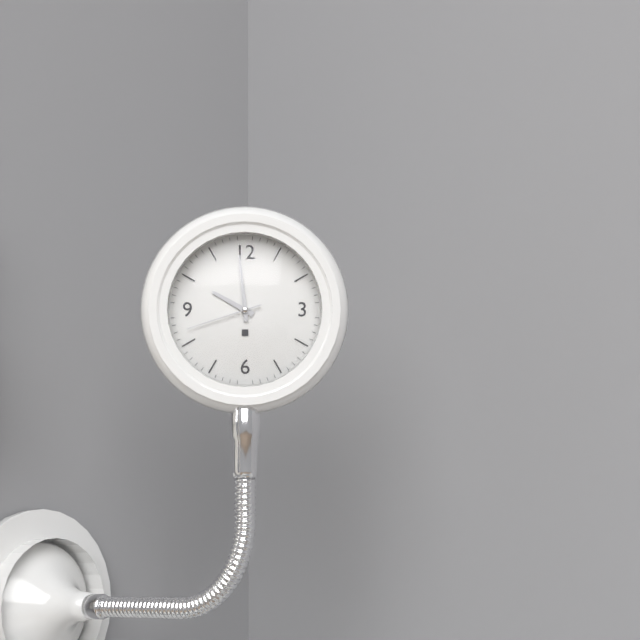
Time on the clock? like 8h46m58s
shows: 9h59m42s
